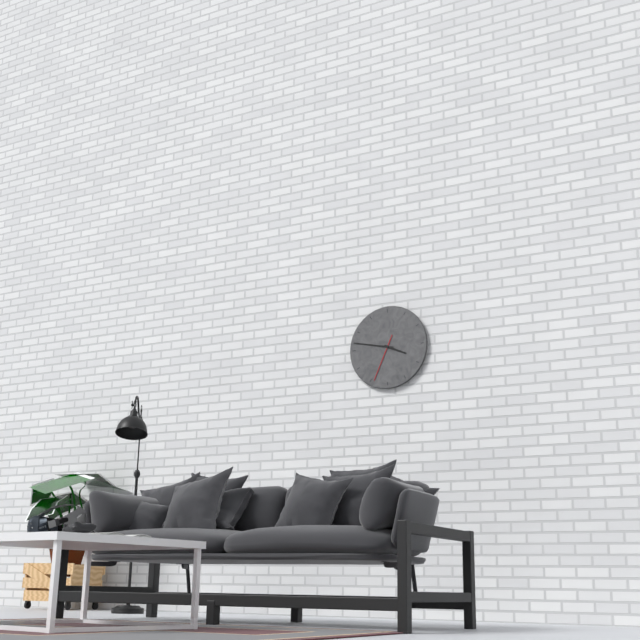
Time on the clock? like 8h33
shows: 3h47
